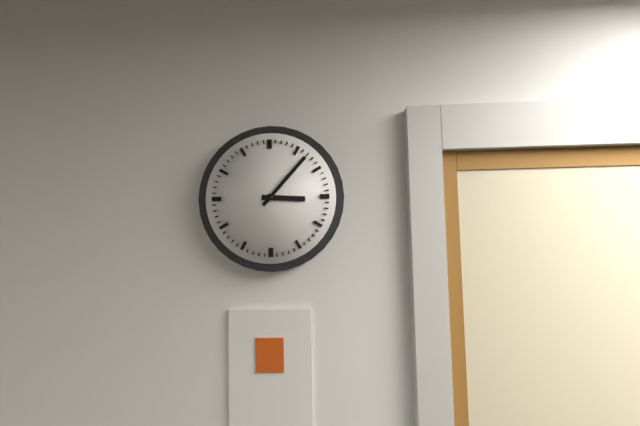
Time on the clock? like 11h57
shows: 3h07
